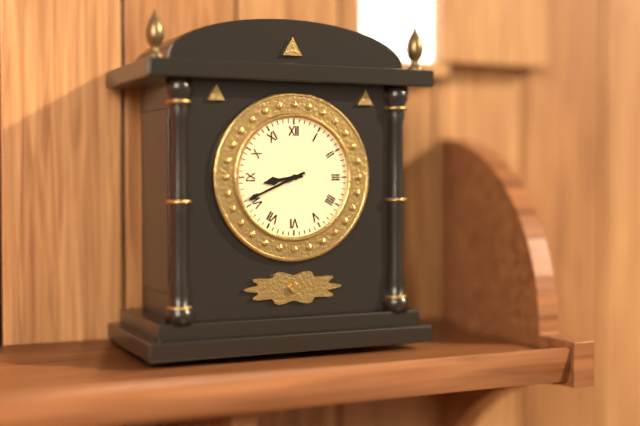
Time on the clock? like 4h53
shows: 8h41
